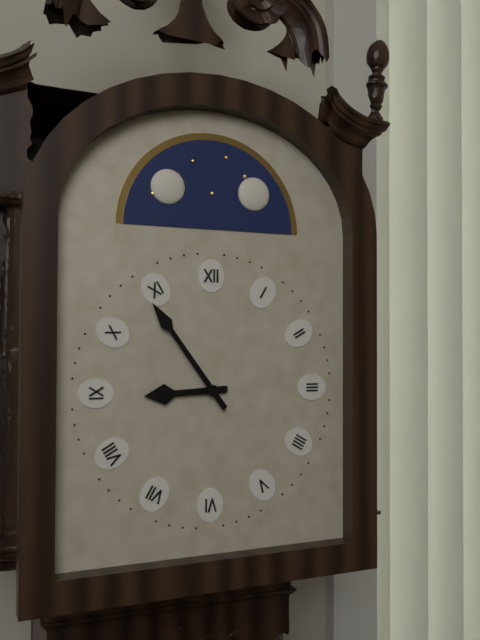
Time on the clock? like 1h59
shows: 8h54
